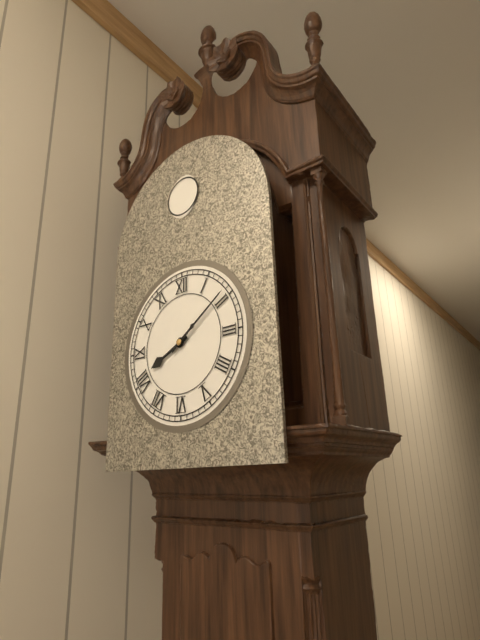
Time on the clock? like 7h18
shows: 8h09
